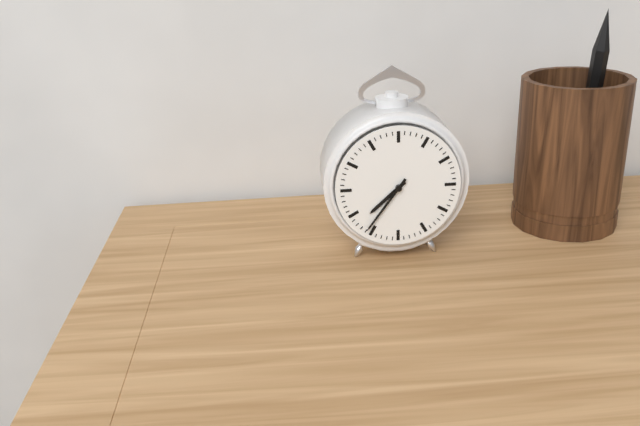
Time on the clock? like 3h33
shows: 7h36
